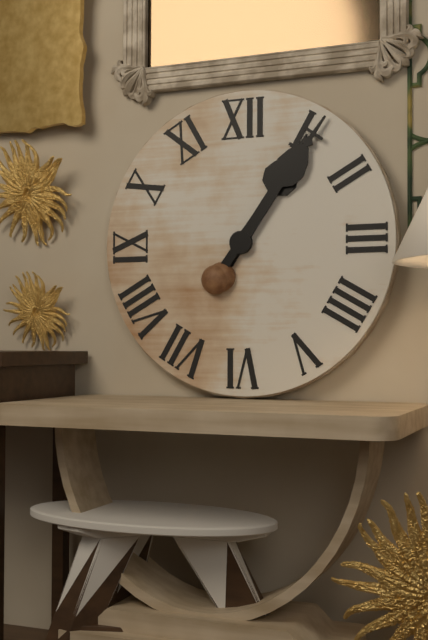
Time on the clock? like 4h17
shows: 1h06
